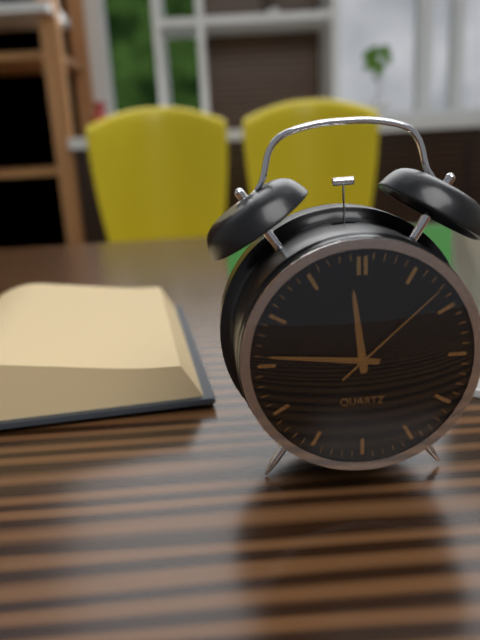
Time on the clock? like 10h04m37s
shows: 11h46m08s
